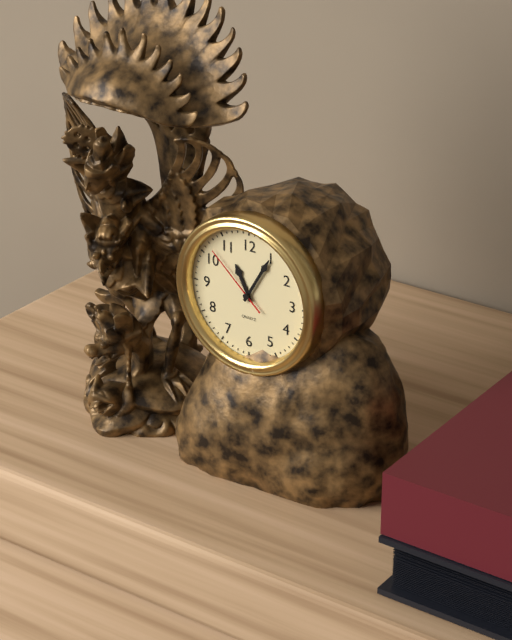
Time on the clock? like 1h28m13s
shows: 11h05m52s
